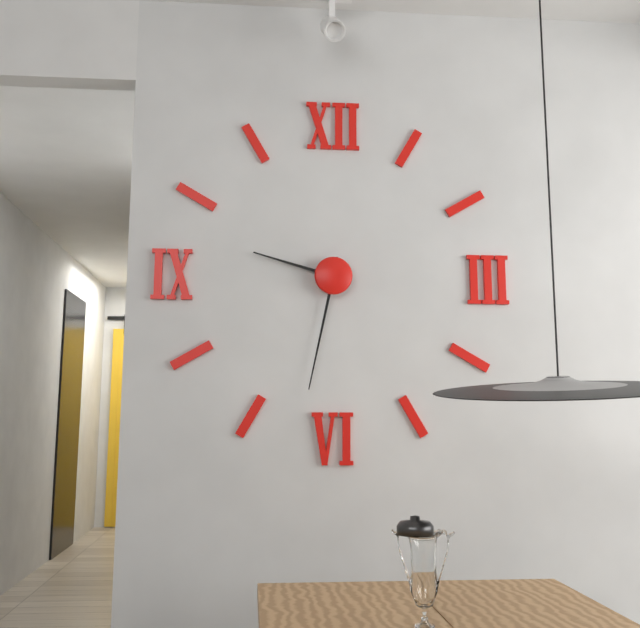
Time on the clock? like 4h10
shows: 9h32
